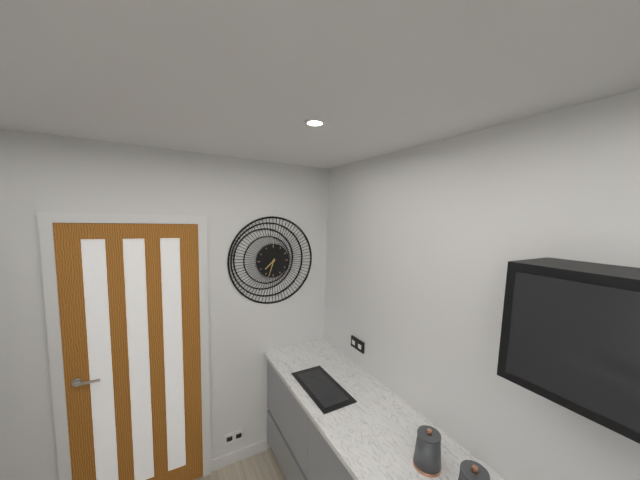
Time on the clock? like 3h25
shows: 7h33
